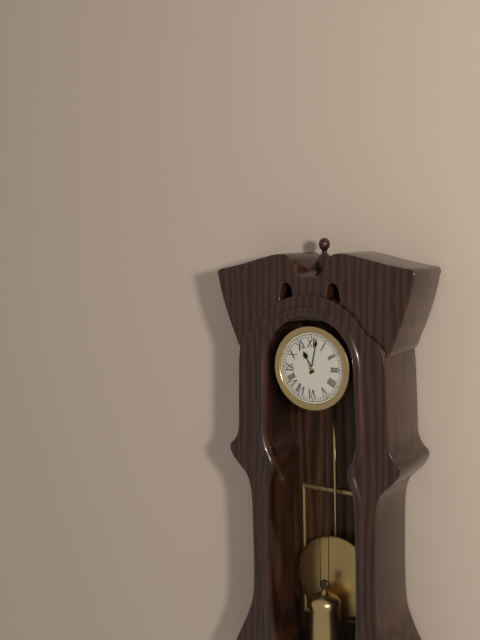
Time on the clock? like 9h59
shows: 11h02
